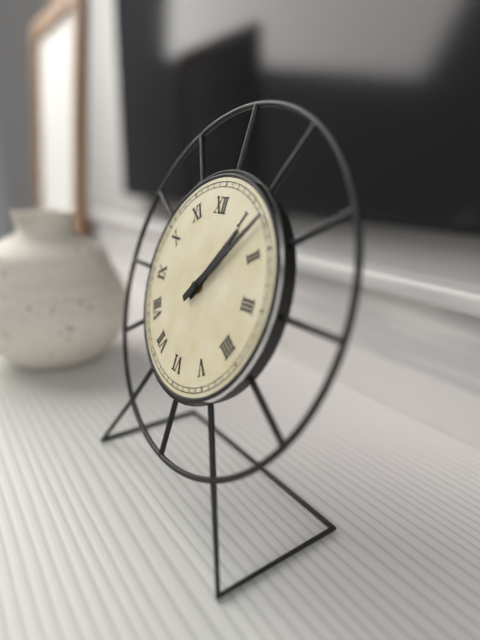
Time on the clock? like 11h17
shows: 1h07
